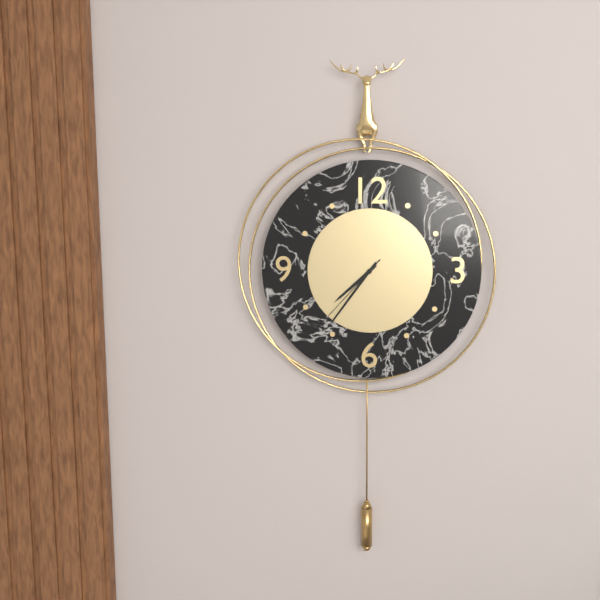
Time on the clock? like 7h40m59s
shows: 7h36m37s
